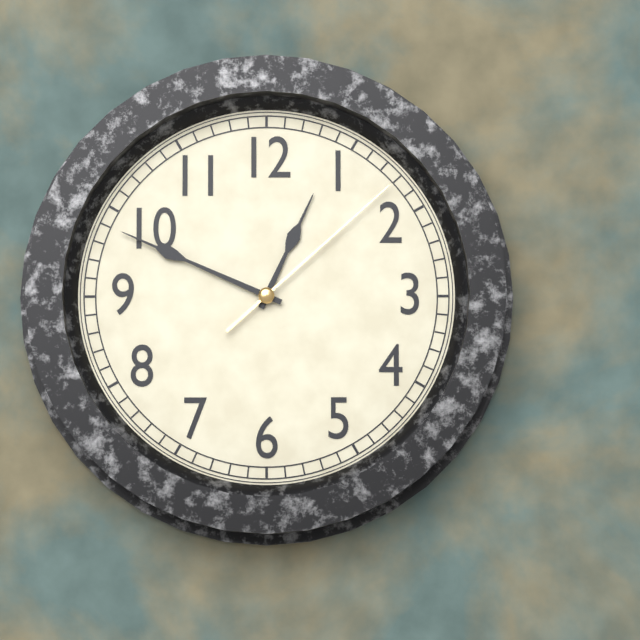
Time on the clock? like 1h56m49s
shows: 12h49m08s
